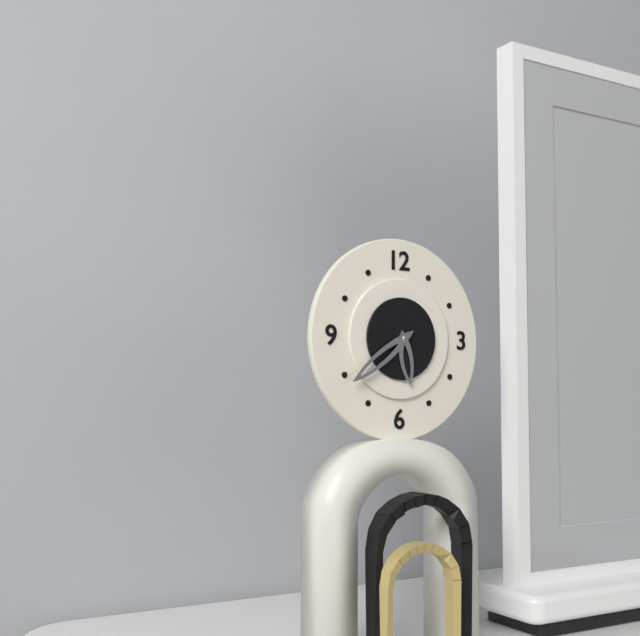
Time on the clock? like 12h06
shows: 5h39
